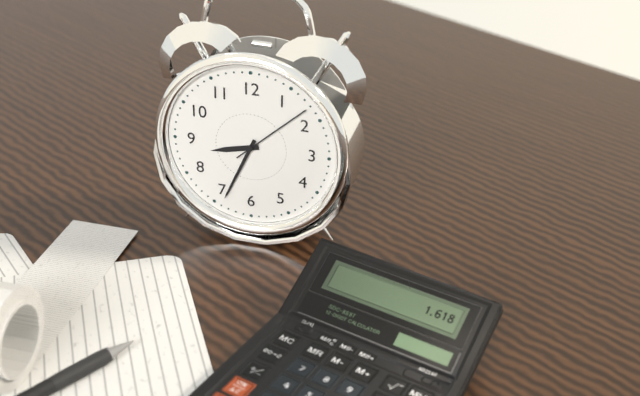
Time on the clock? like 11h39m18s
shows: 8h34m08s
